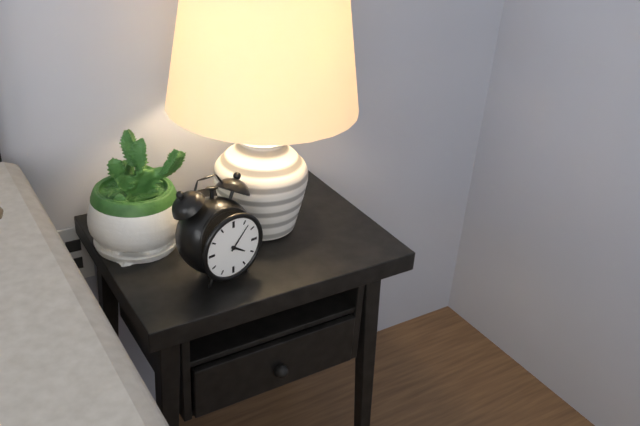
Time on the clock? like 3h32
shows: 4h07
